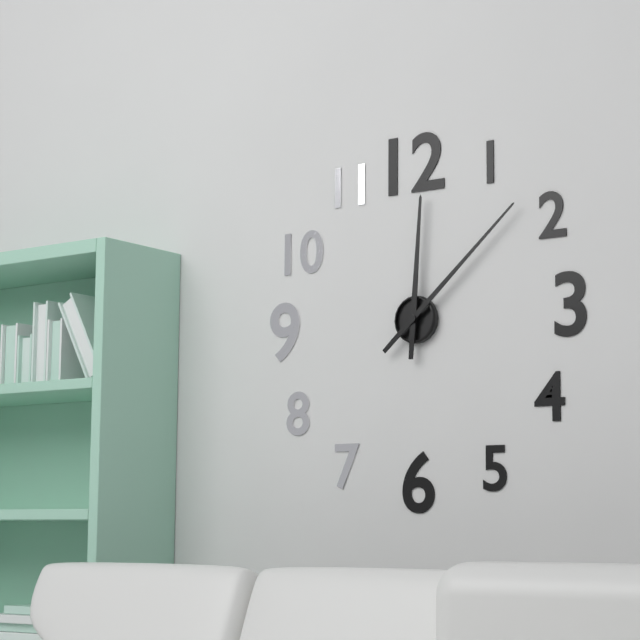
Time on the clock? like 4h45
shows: 12h08
